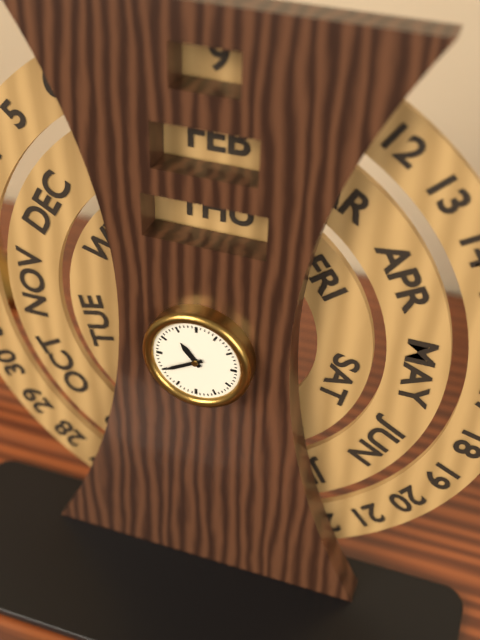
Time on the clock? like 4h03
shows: 10h40
